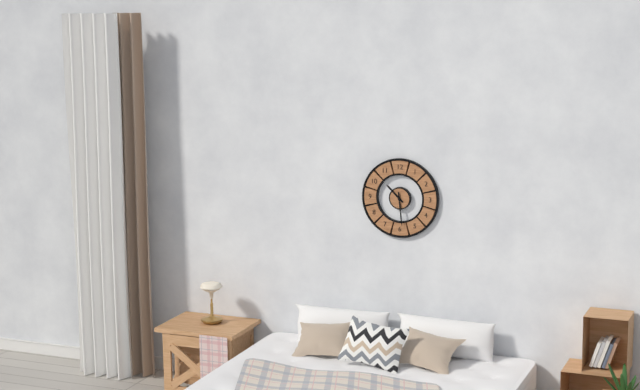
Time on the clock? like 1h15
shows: 10h29
